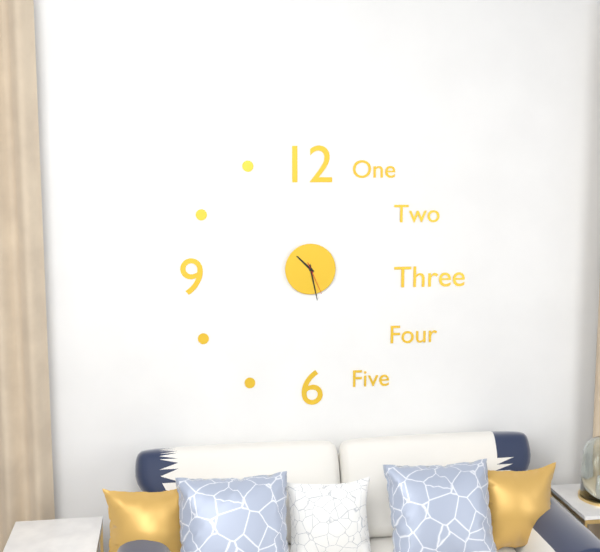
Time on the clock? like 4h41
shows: 10h28
